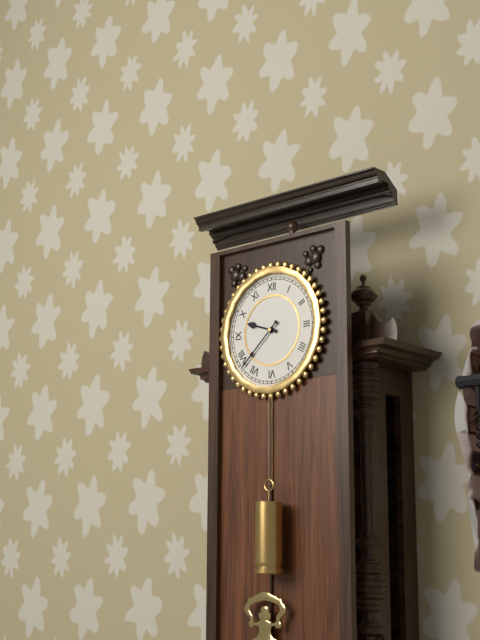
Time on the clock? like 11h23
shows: 9h38
